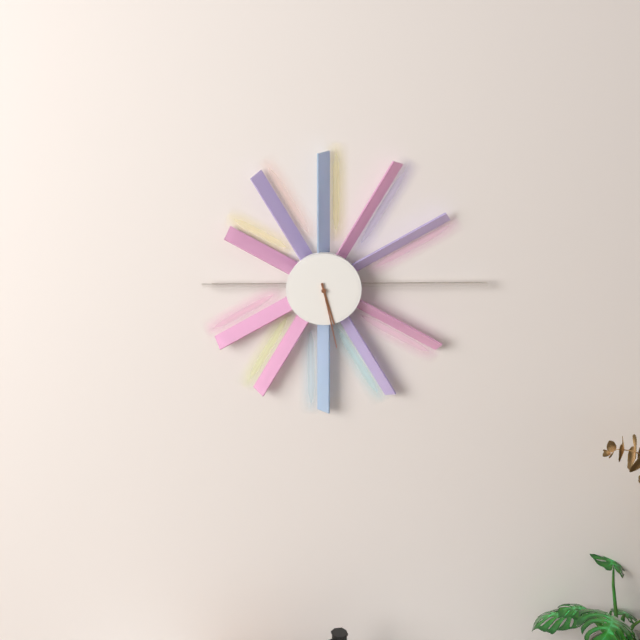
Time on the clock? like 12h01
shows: 5h28
